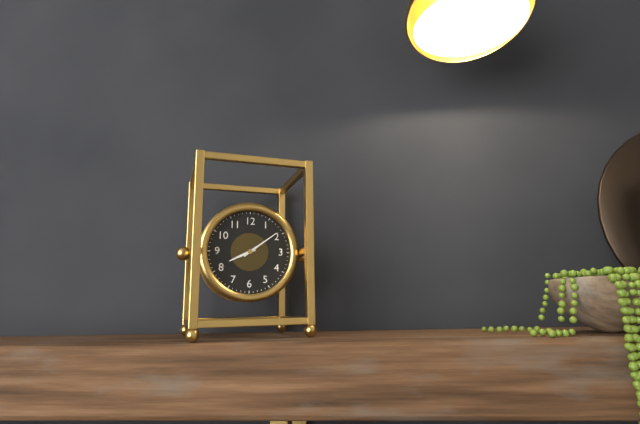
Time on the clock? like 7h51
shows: 8h09
